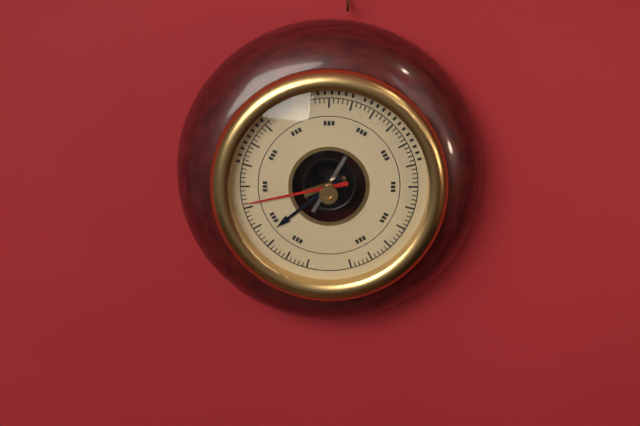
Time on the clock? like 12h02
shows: 7h43
